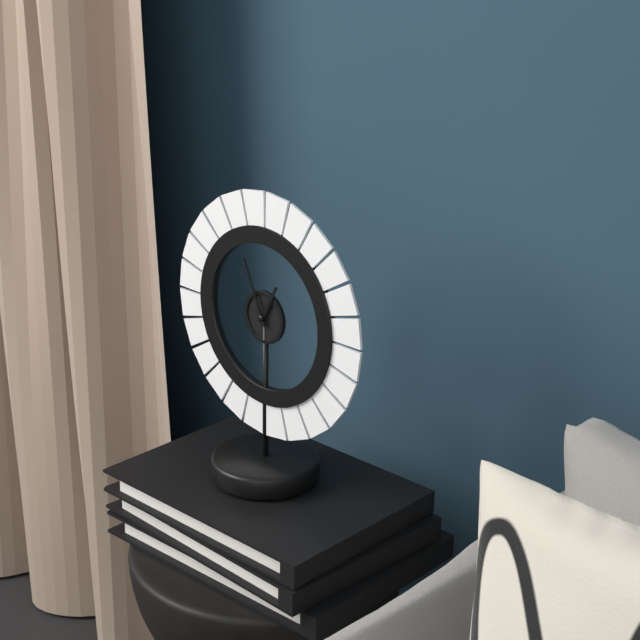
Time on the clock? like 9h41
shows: 12h56
